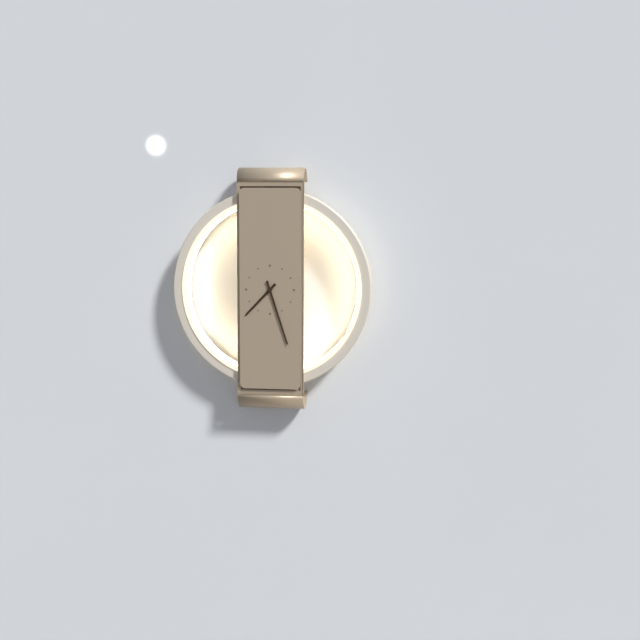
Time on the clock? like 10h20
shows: 7h27
